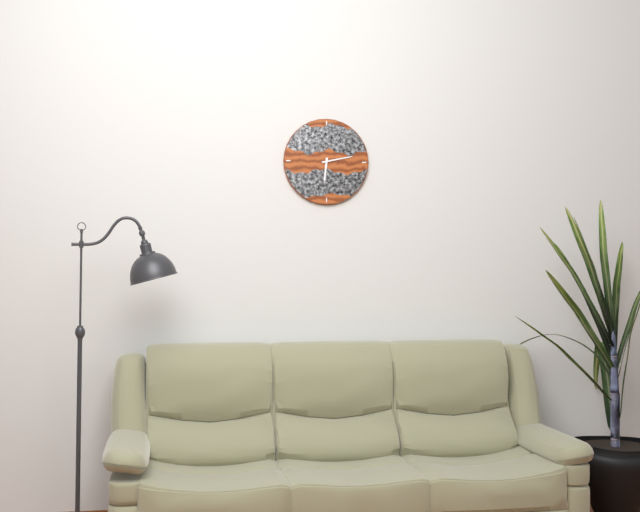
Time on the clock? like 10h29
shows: 6h13
